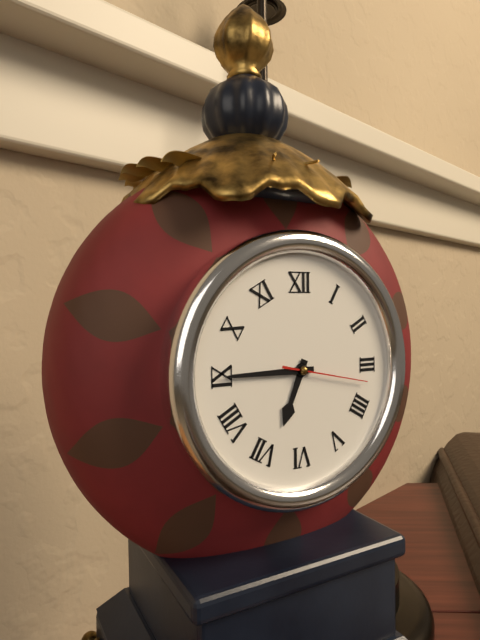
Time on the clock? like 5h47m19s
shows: 6h45m17s
